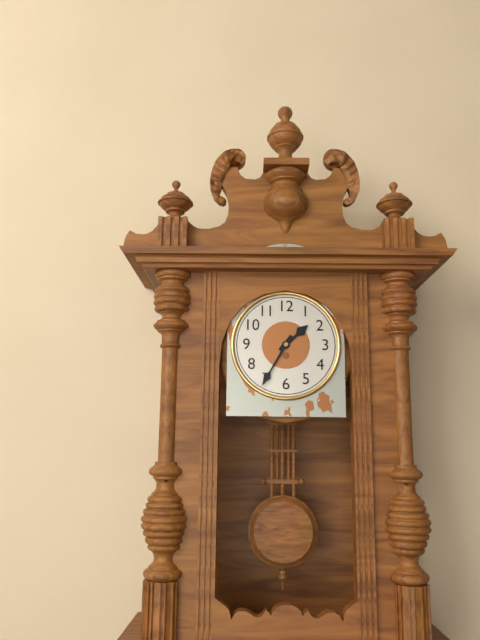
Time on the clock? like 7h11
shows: 1h35
